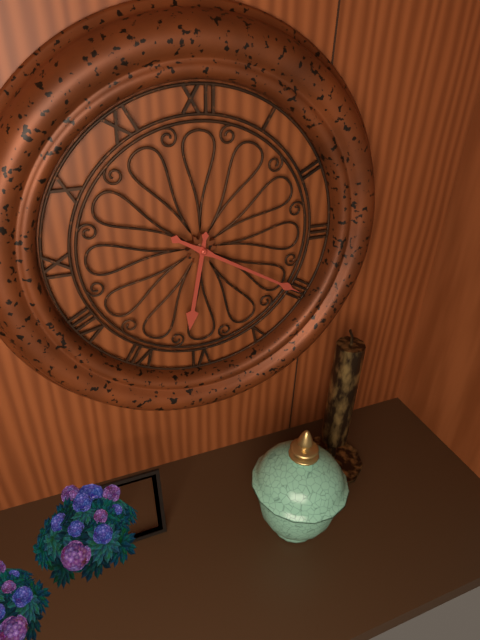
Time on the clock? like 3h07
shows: 6h20
